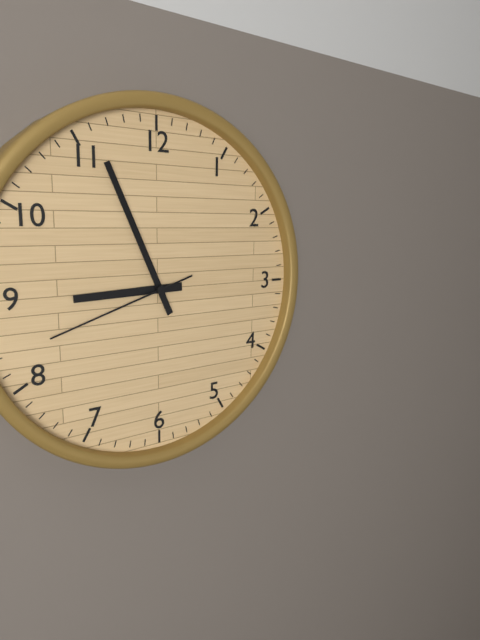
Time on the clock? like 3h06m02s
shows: 8h56m42s
